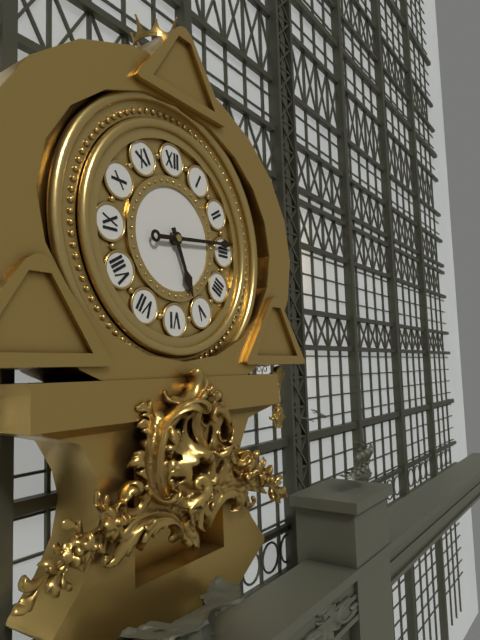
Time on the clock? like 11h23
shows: 5h14
